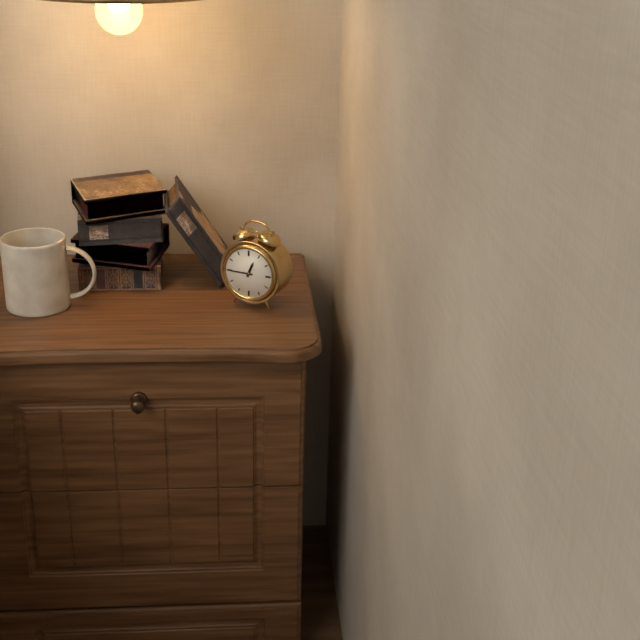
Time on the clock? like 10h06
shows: 12h45
